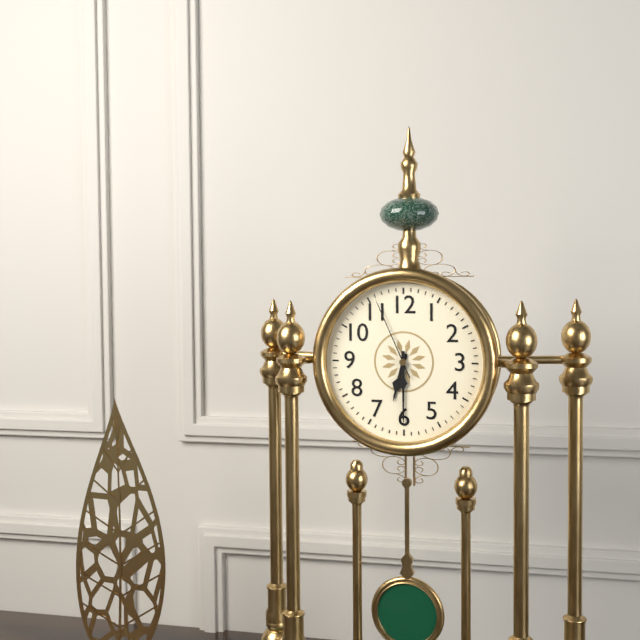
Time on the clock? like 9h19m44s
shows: 6h30m56s
